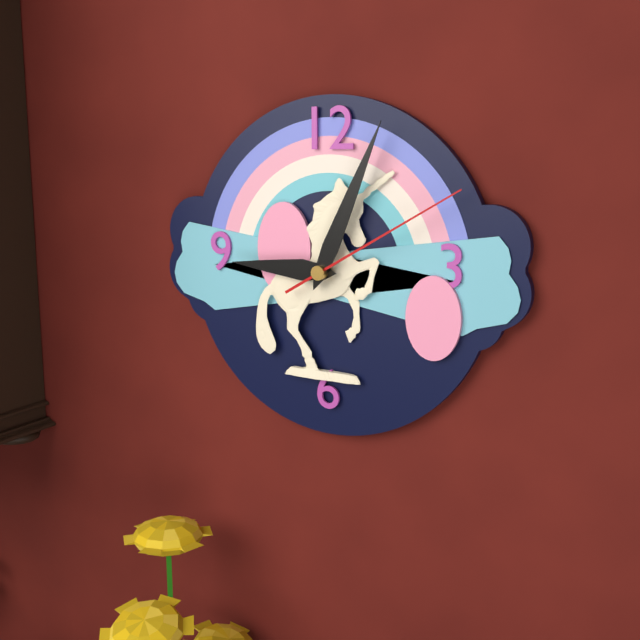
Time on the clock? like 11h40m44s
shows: 9h04m10s
